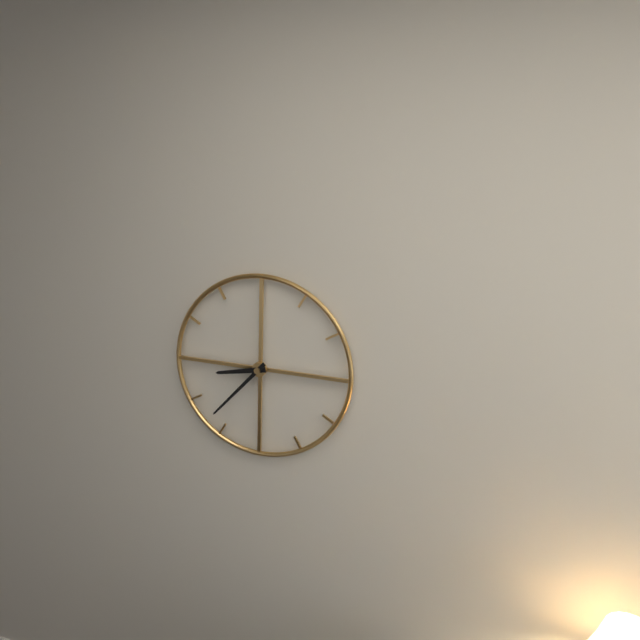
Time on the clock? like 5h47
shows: 8h37
